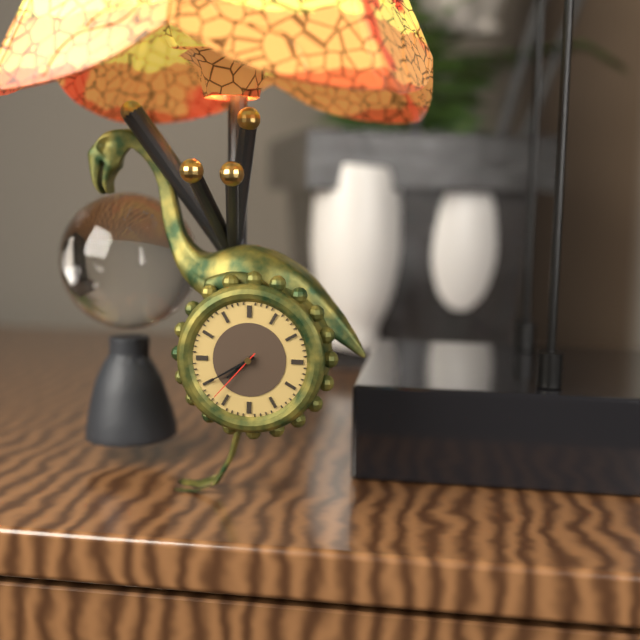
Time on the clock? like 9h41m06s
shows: 7h40m37s
